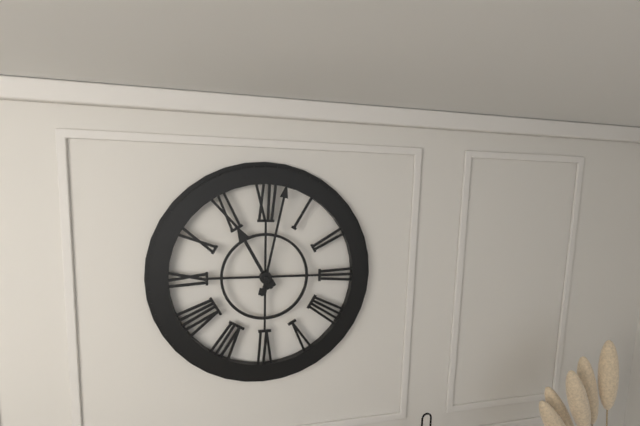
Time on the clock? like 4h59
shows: 11h02
